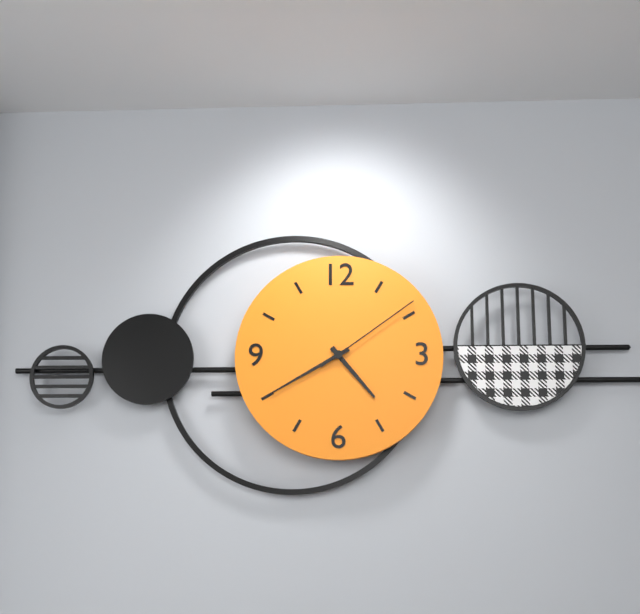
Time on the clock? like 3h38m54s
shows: 4h40m09s
